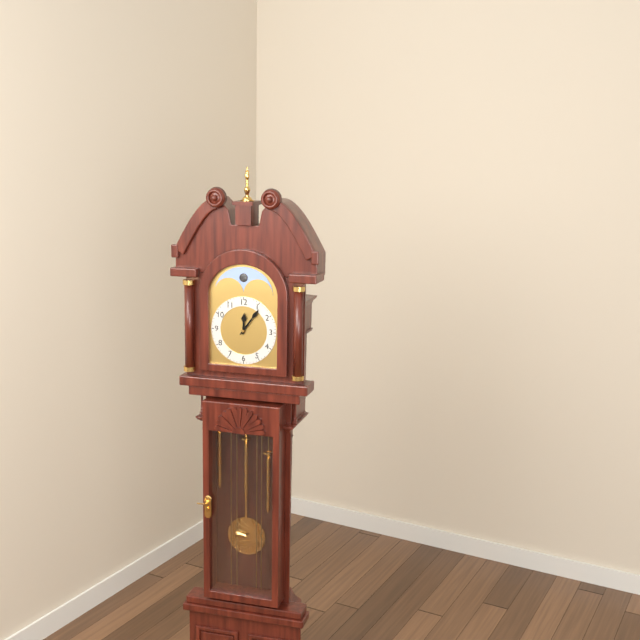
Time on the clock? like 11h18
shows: 12h06
